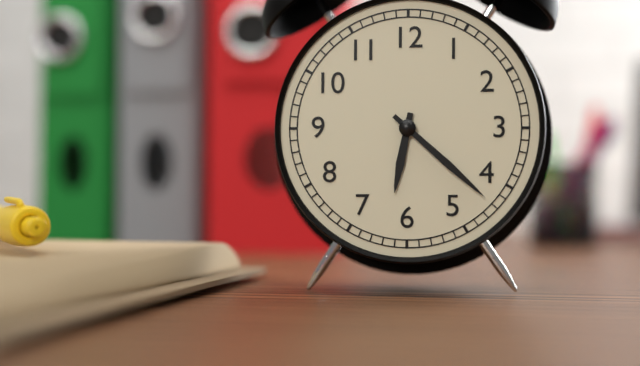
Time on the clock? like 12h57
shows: 6h22
